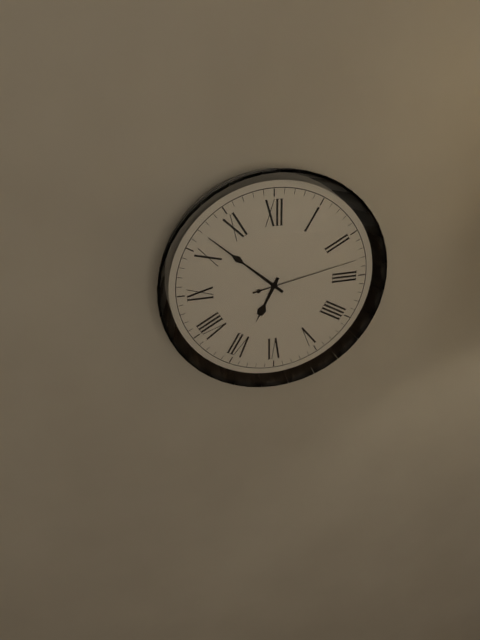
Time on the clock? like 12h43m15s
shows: 6h52m13s
